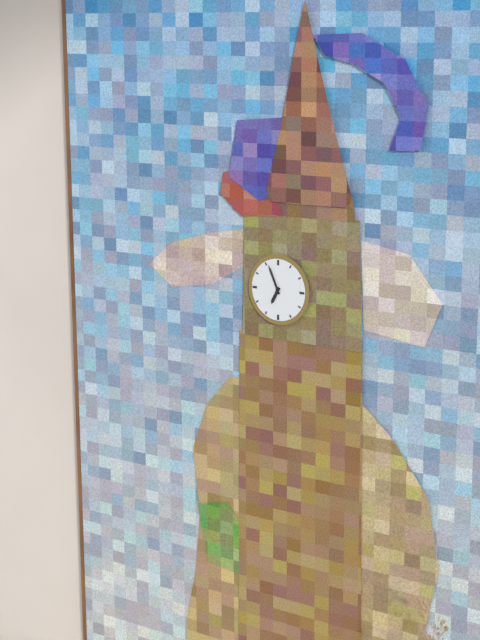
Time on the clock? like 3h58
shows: 6h56
